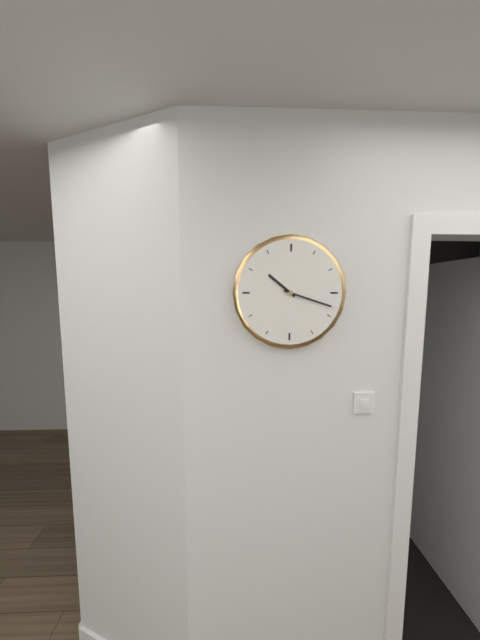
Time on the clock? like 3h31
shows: 10h18
